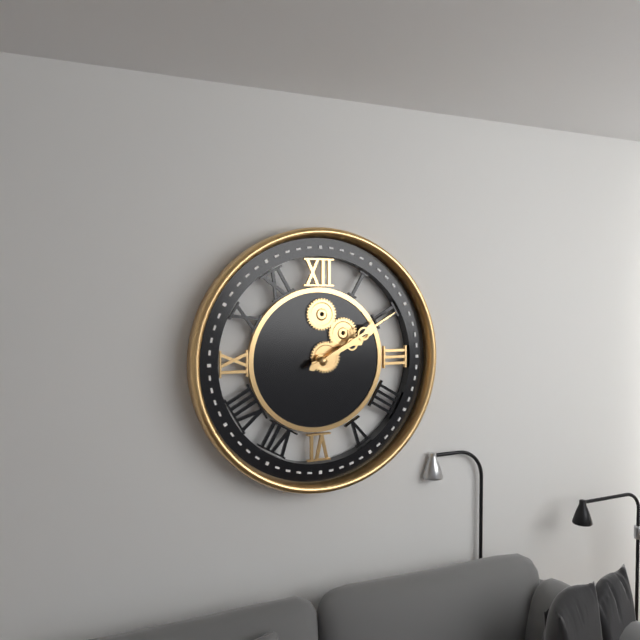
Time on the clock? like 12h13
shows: 2h10
